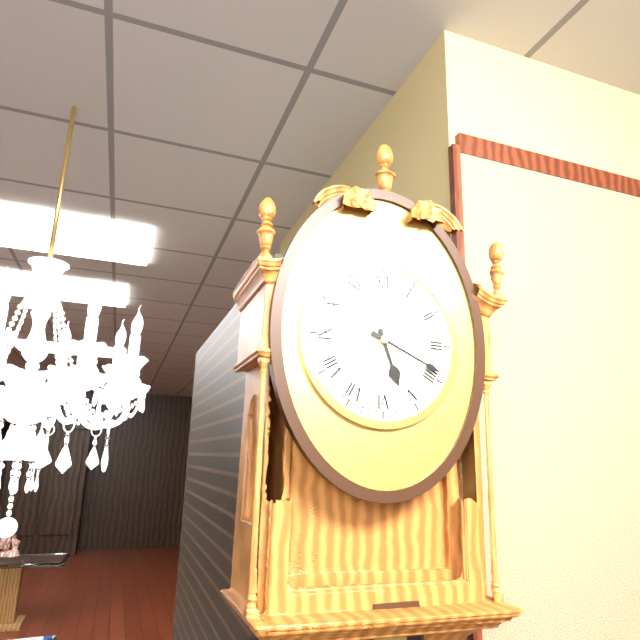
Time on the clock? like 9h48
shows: 5h19
